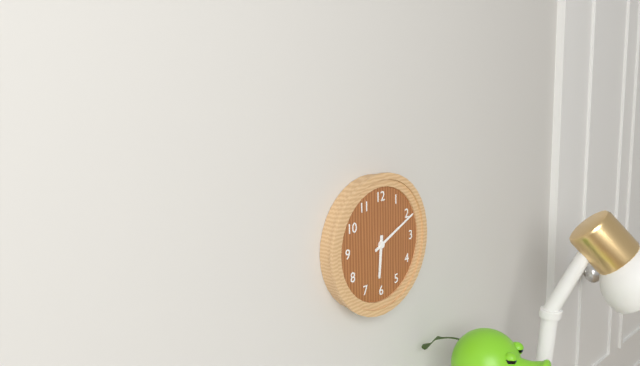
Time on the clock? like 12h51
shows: 6h11
